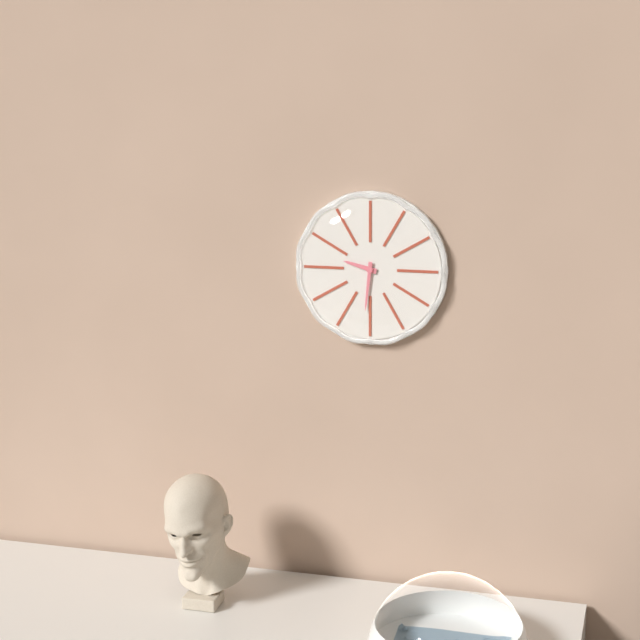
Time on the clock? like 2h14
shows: 9h31
